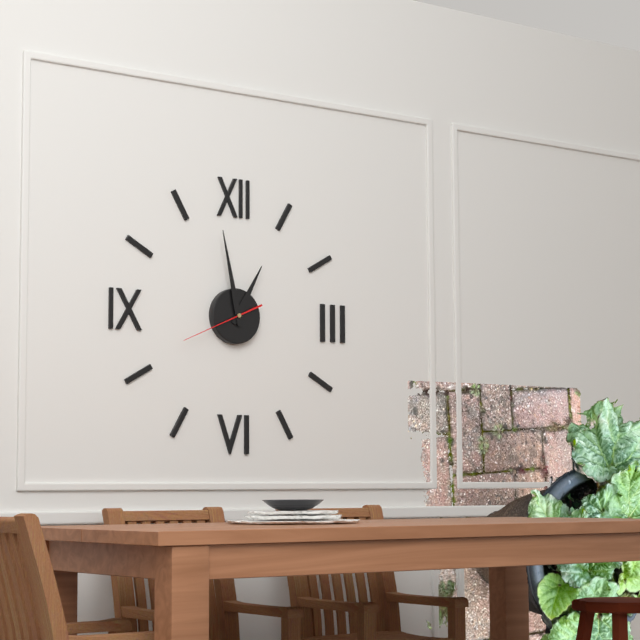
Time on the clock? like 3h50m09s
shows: 12h58m41s
